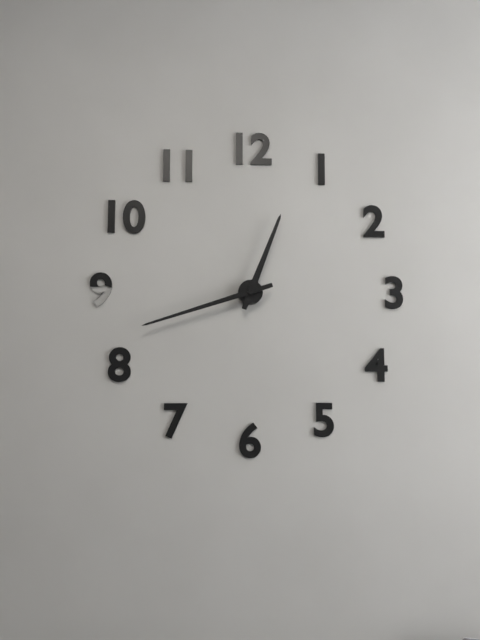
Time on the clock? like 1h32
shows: 12h42
